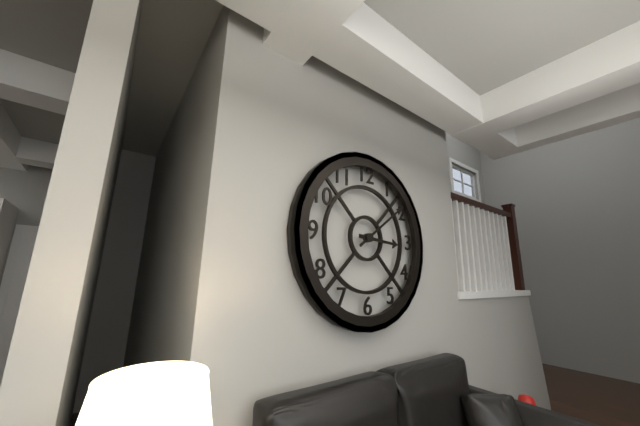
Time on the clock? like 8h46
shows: 3h09
